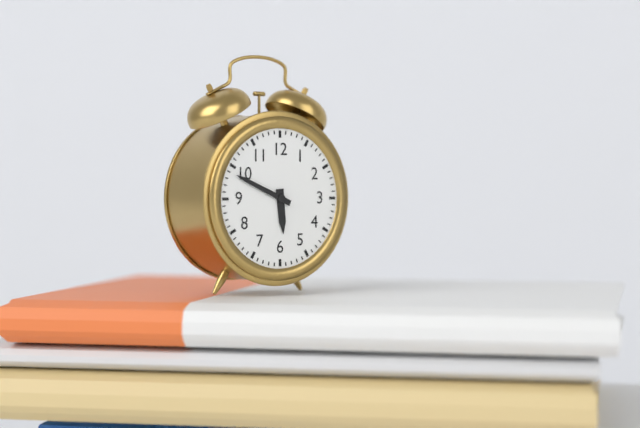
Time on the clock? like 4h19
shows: 5h49
